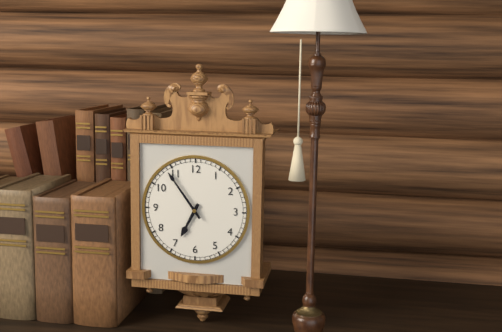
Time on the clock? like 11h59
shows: 6h54
